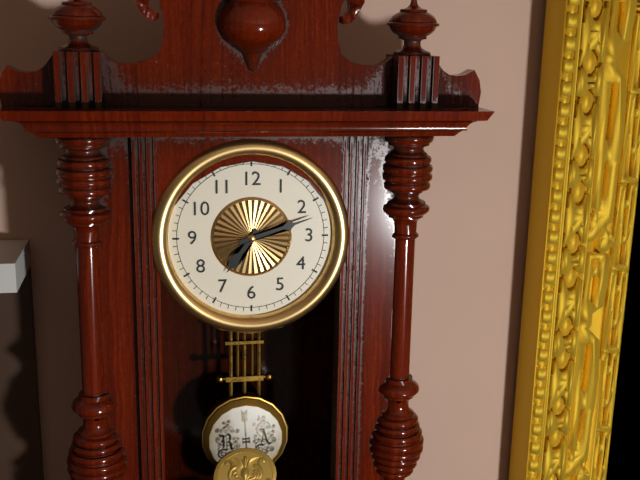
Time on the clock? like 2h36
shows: 7h12
